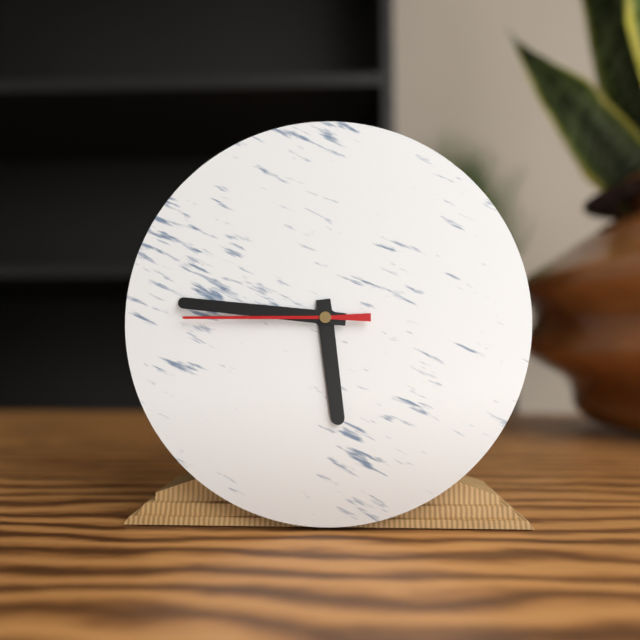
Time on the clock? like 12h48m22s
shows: 5h46m45s
